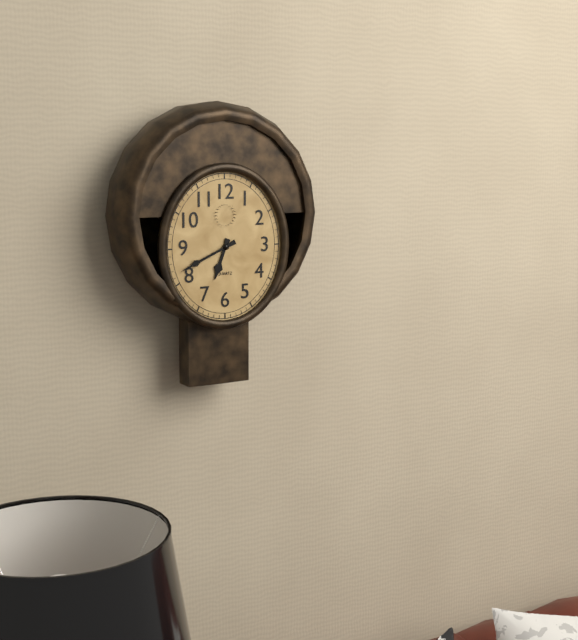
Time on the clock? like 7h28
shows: 6h41
